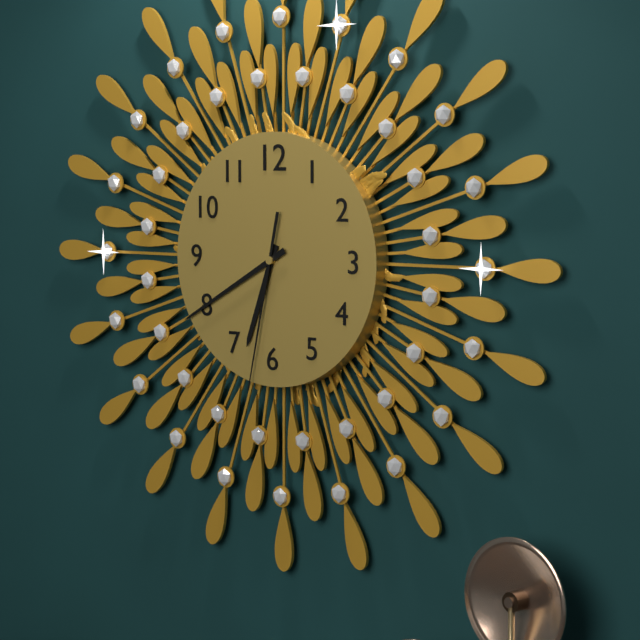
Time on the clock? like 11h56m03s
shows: 6h40m32s
